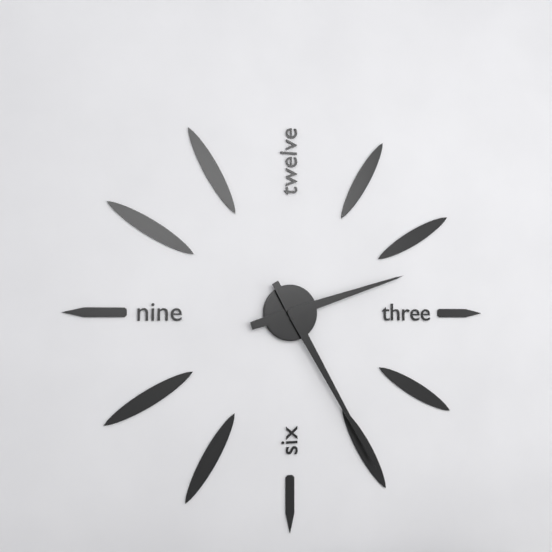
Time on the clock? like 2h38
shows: 2h25
